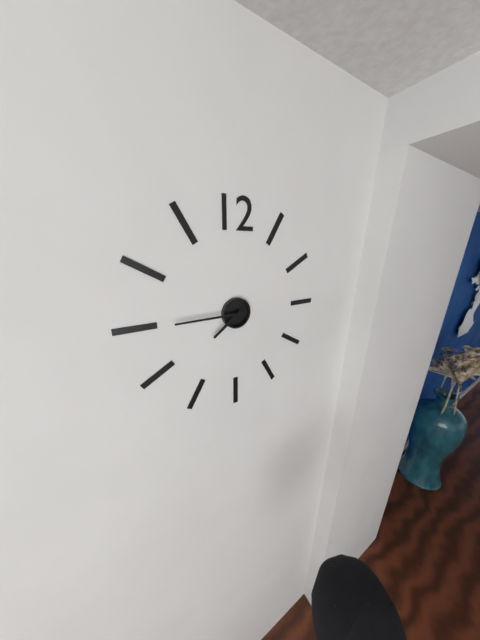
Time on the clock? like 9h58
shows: 7h45
